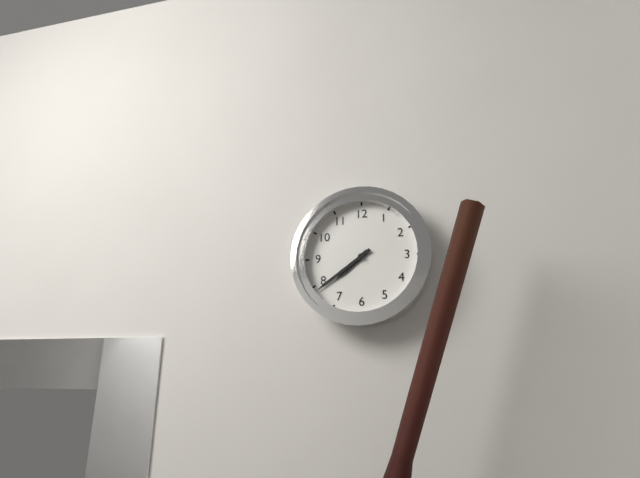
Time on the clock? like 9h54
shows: 7h39
